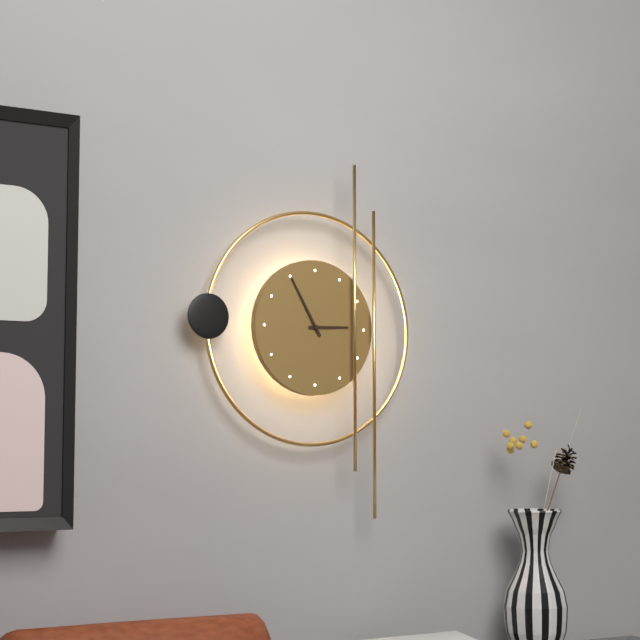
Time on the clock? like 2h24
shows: 2h55
